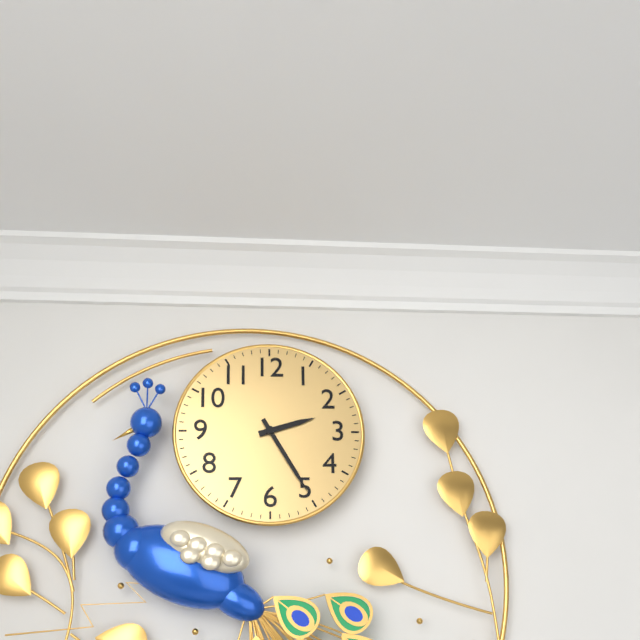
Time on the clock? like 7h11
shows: 2h25
